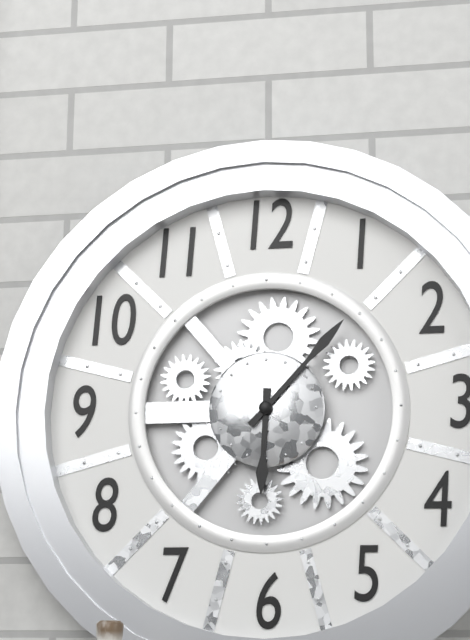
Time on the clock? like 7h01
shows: 6h07
